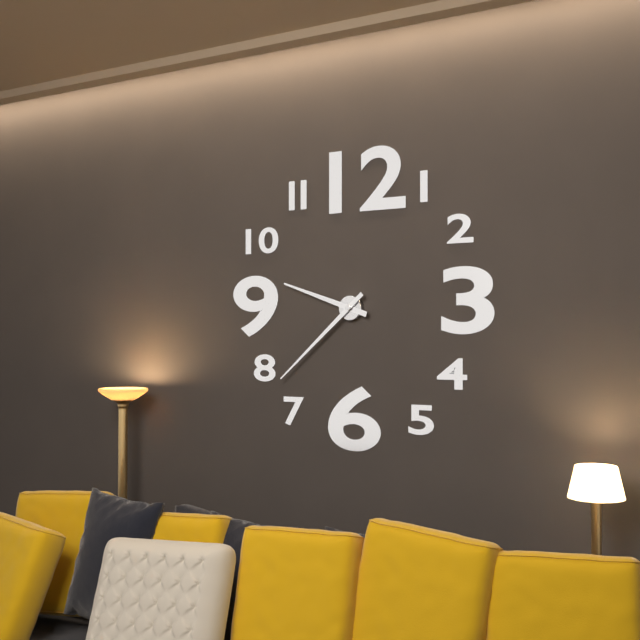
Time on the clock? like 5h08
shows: 9h38
